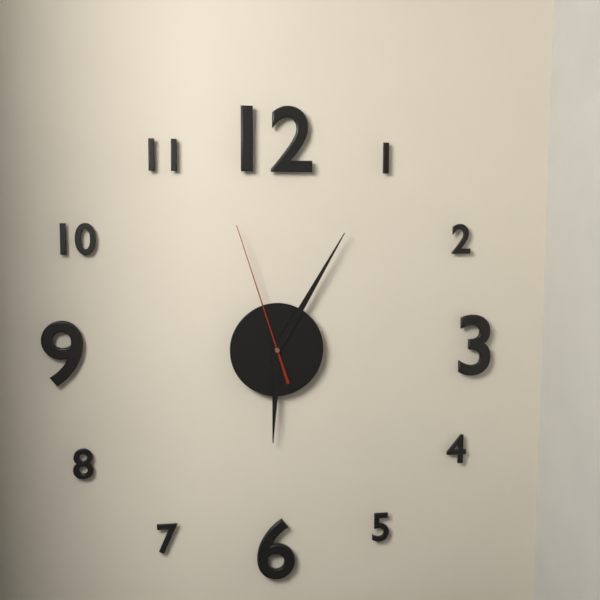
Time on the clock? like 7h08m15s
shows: 6h05m57s
